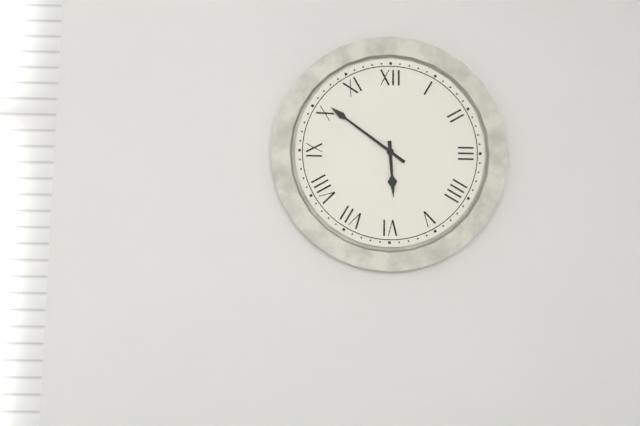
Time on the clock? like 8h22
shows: 5h51
